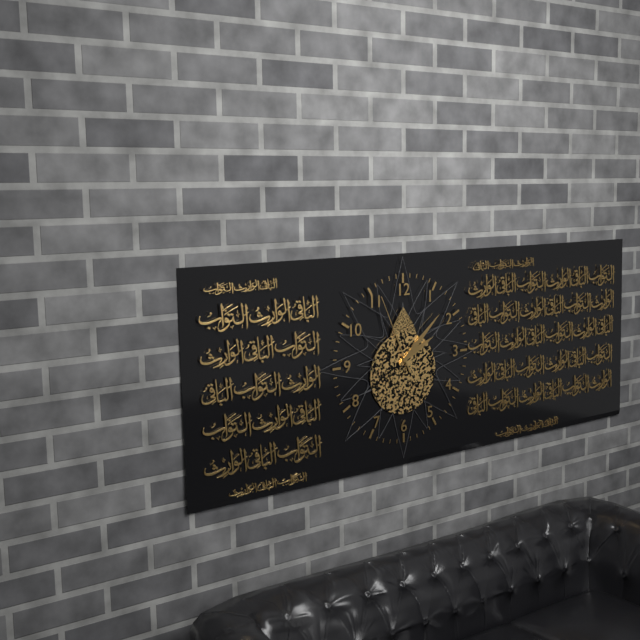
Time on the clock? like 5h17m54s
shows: 2h08m56s
